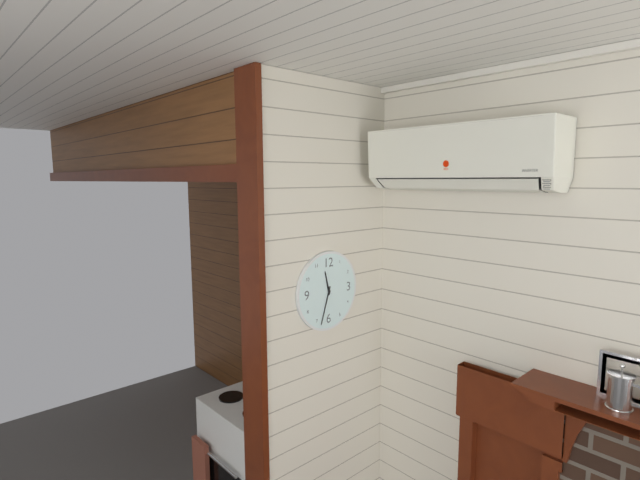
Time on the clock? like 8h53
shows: 11h33
